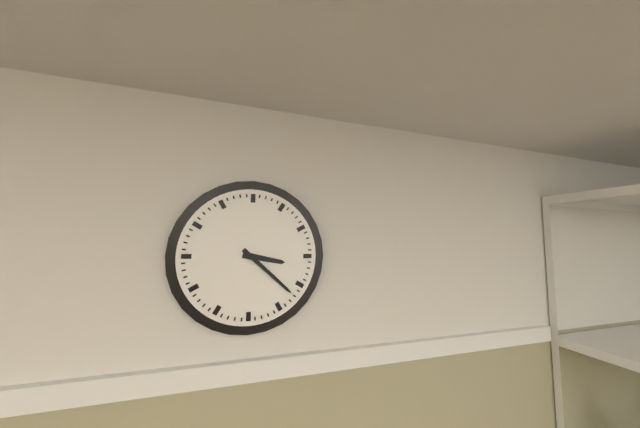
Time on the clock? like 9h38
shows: 3h22
